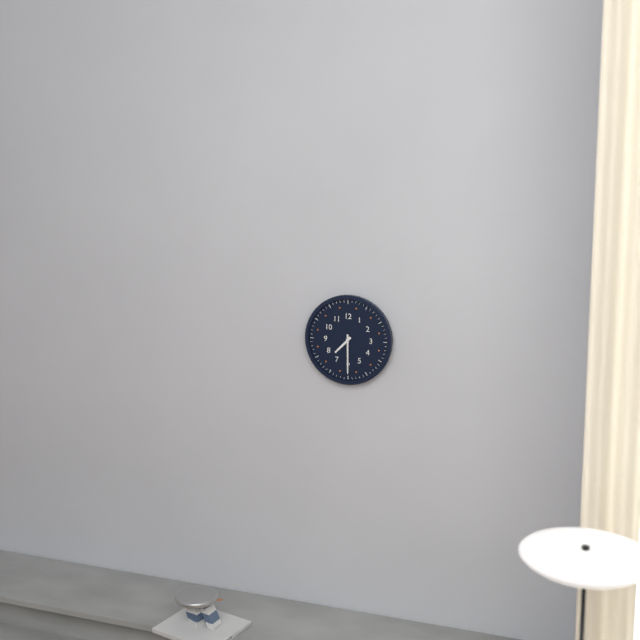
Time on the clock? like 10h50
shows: 7h30
